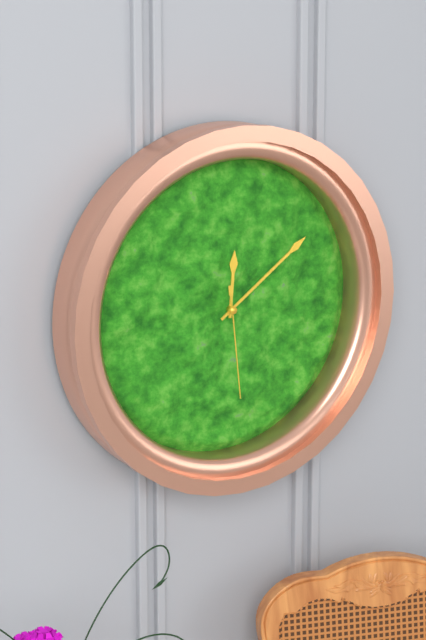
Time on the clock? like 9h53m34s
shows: 12h09m29s
